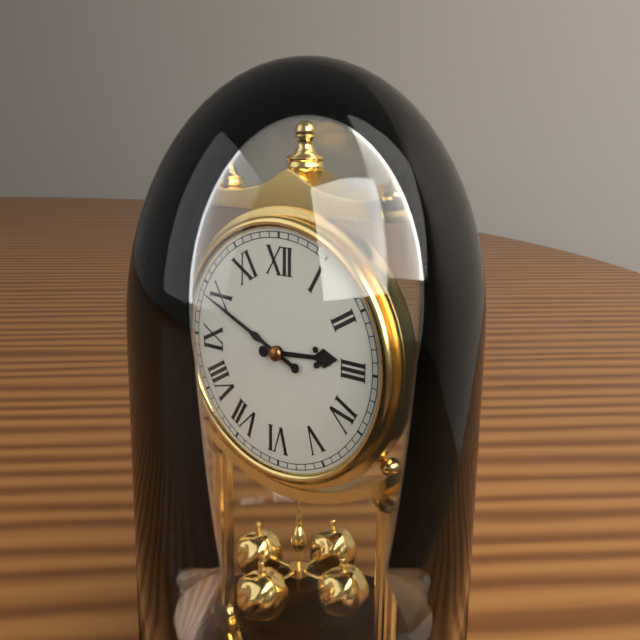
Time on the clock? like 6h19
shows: 2h49
